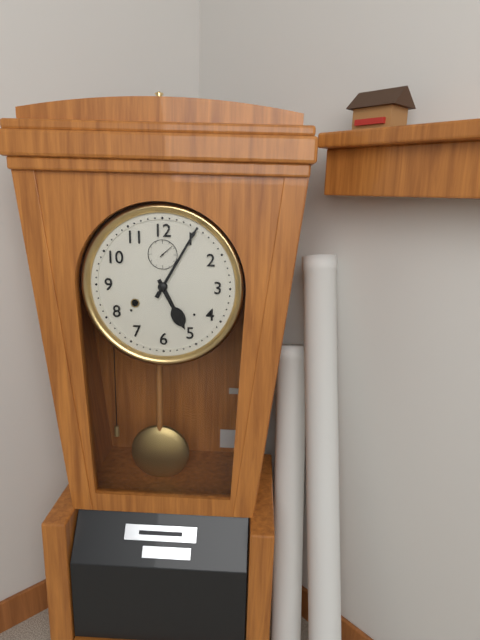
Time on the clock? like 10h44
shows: 5h05
